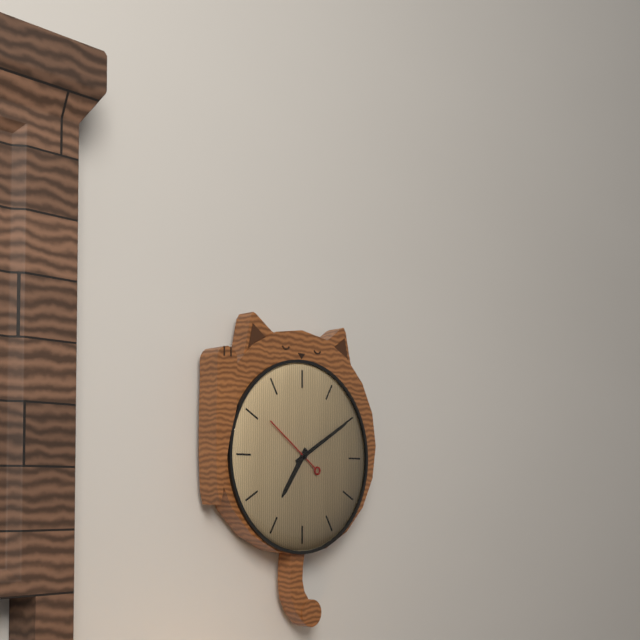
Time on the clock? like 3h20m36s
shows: 7h10m51s
